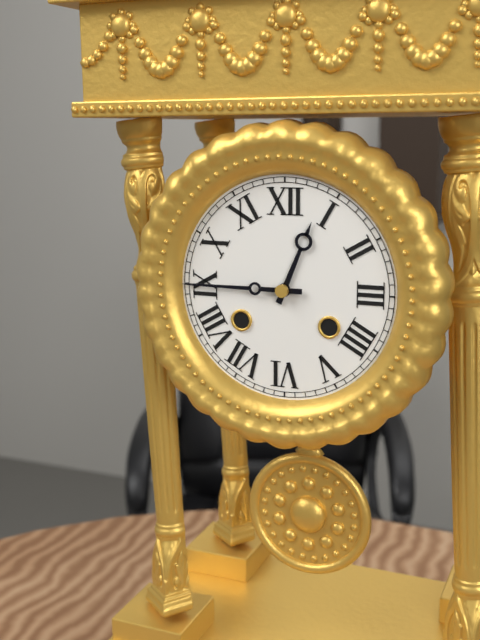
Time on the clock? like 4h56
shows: 12h45
